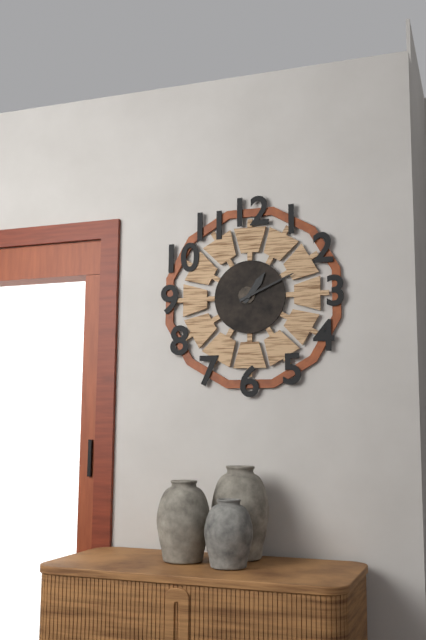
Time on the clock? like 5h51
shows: 1h11
